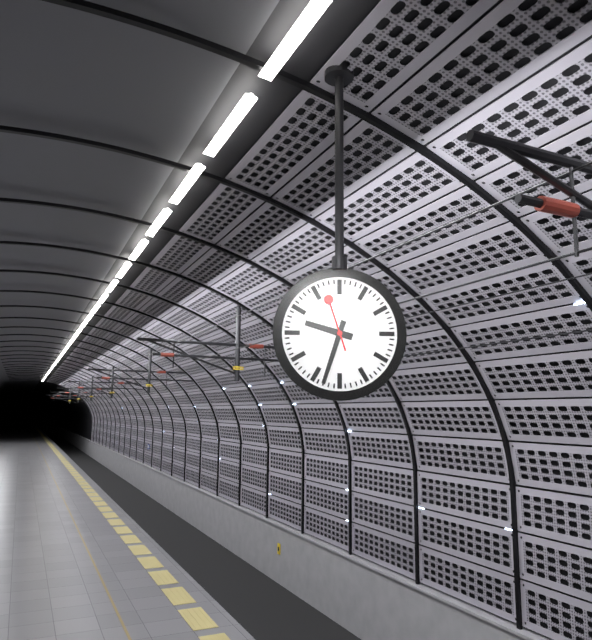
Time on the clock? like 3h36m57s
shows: 9h33m57s
